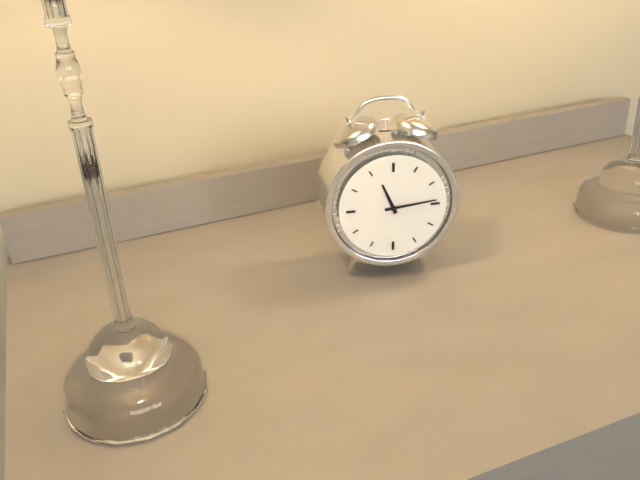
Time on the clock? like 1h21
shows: 11h14
